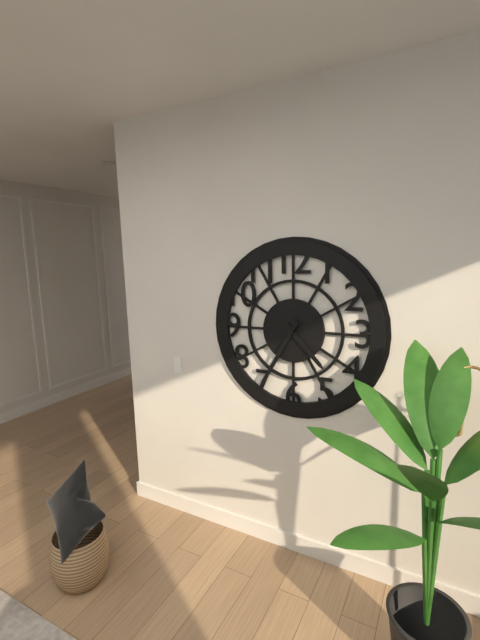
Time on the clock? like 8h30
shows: 4h35
